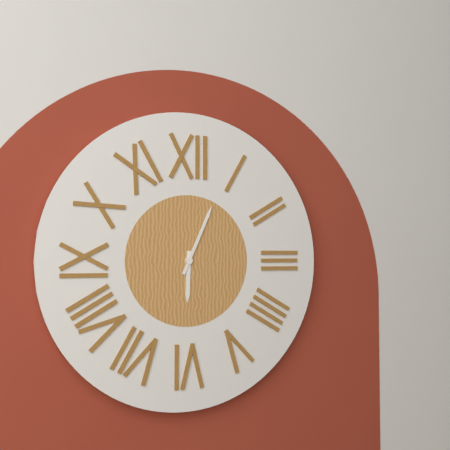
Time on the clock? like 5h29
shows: 6h04
